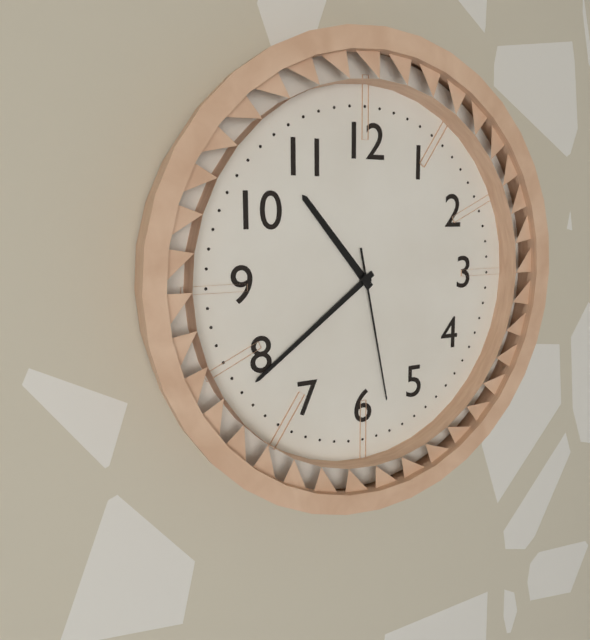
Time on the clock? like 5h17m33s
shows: 10h39m28s
